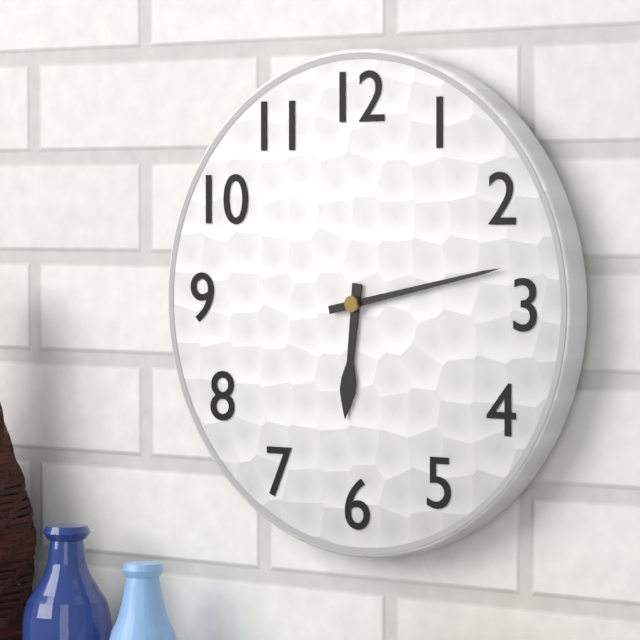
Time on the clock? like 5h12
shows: 6h13
